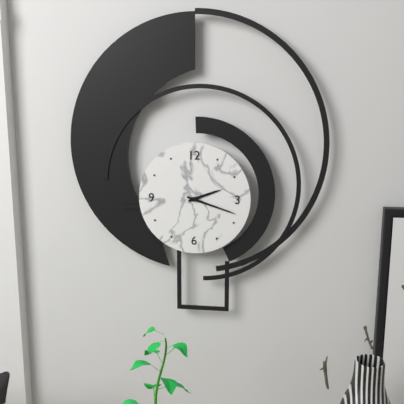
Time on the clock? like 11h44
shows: 2h18
